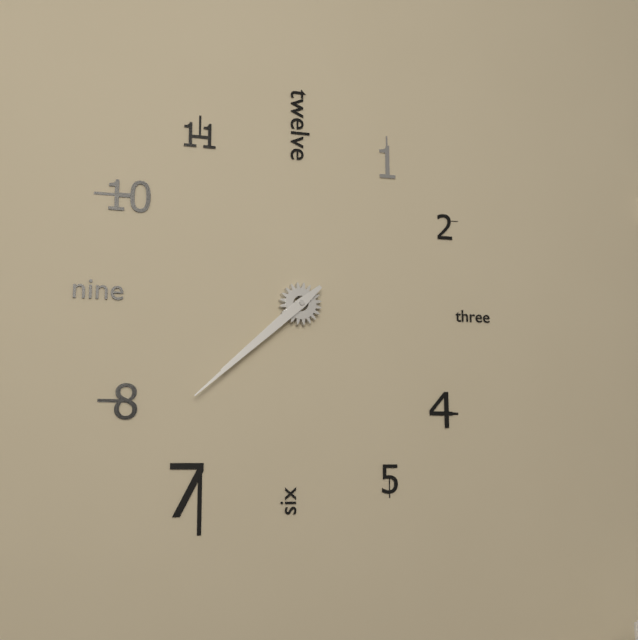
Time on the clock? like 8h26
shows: 7h38
